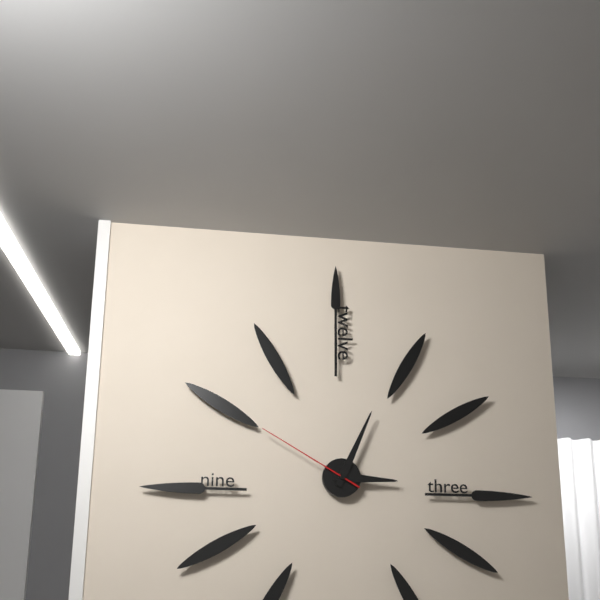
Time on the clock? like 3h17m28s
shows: 3h04m50s
